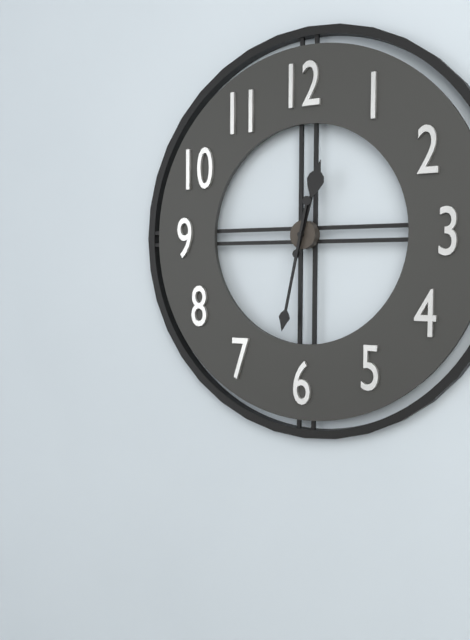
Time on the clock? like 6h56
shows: 12h32
